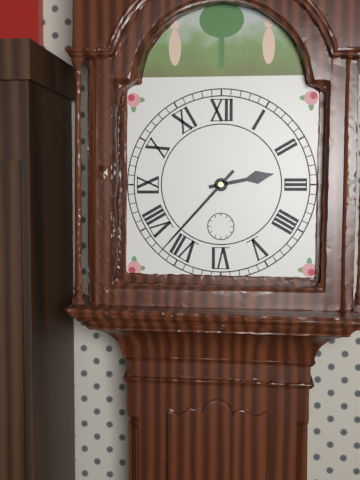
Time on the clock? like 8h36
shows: 2h37
